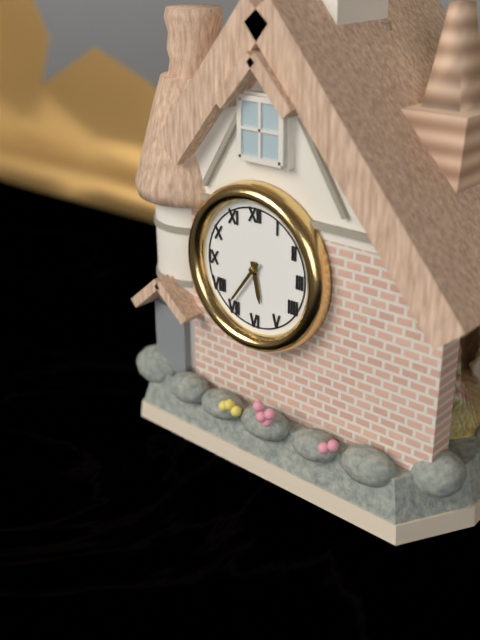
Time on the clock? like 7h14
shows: 5h36
